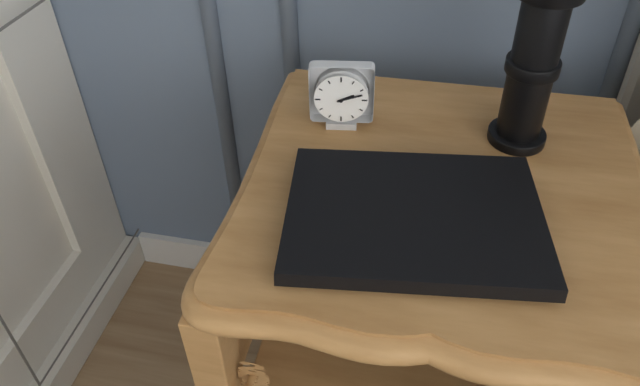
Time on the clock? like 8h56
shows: 2h12
